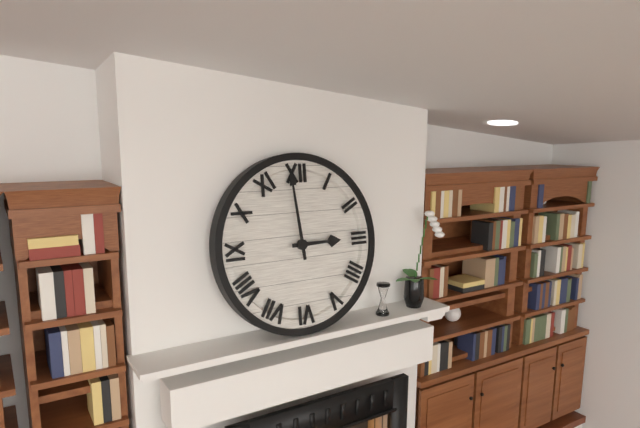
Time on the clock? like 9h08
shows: 2h59
